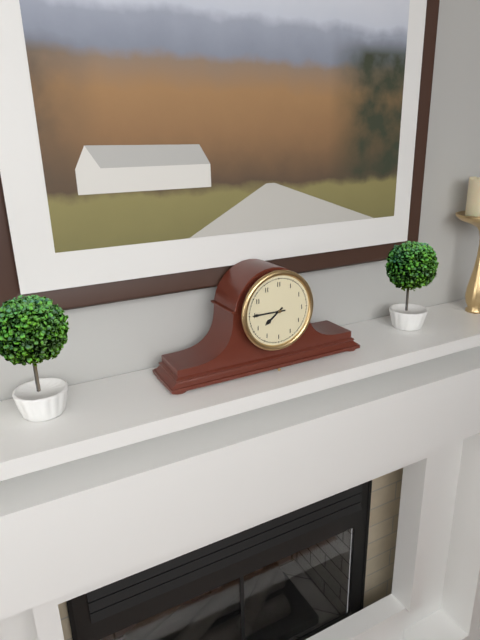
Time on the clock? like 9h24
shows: 7h45
